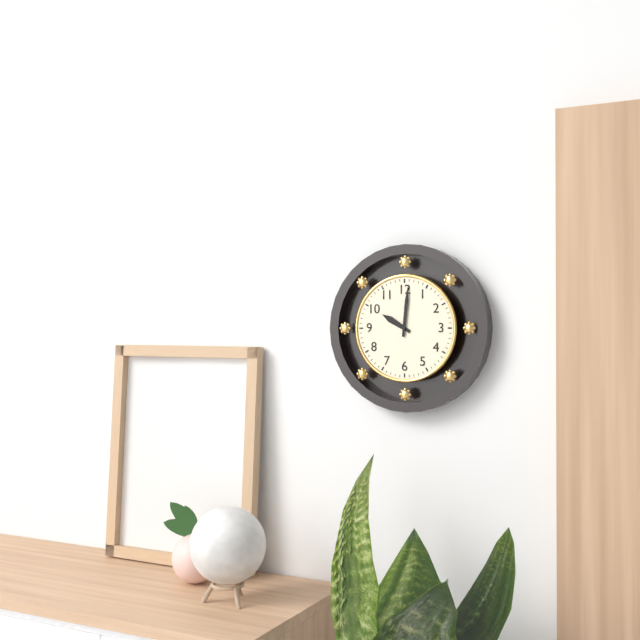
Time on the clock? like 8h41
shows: 10h01
